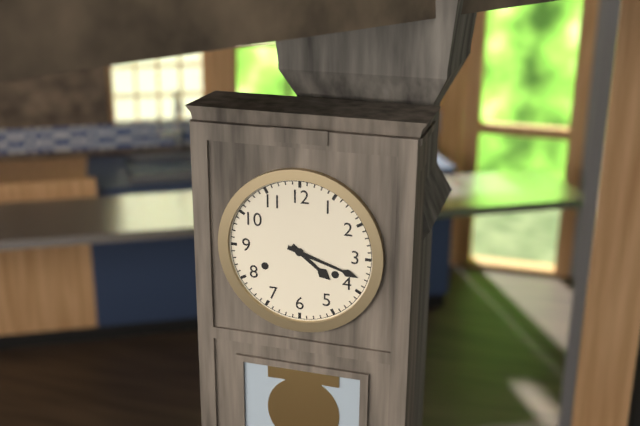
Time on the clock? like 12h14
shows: 4h18
